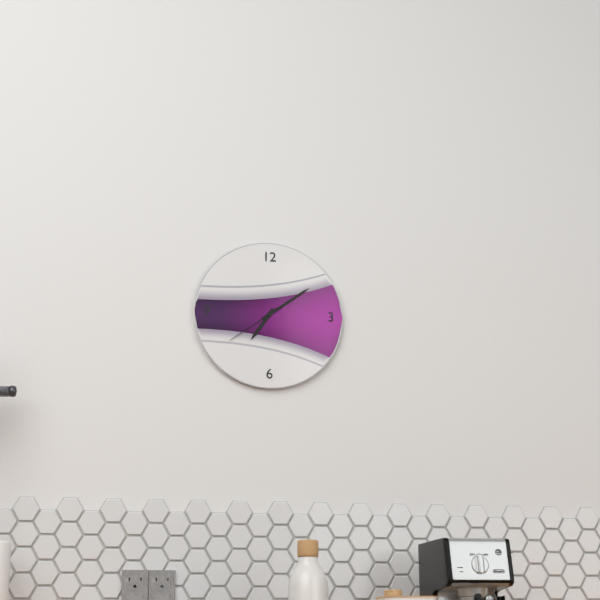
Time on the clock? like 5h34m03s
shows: 7h09m39s
